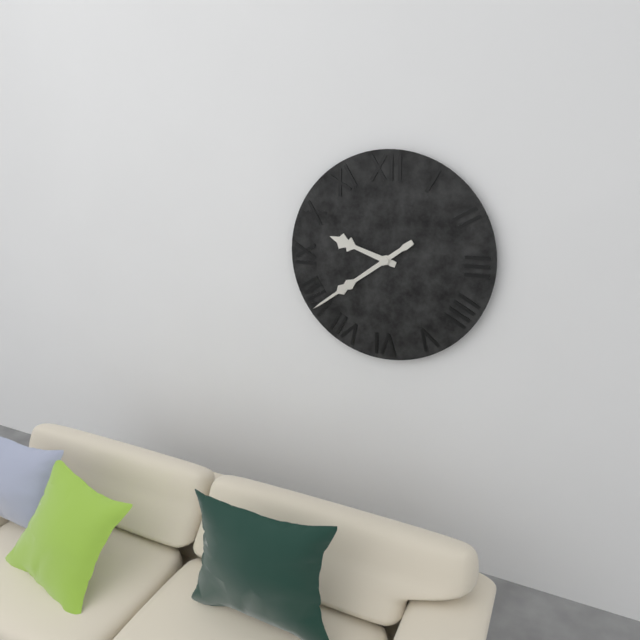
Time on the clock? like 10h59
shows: 9h39
